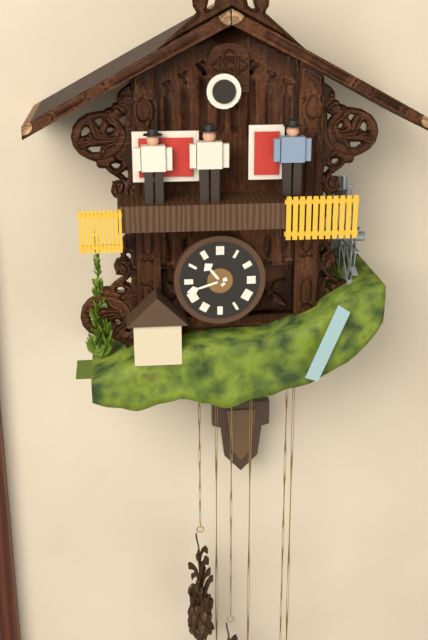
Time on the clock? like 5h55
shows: 10h42
